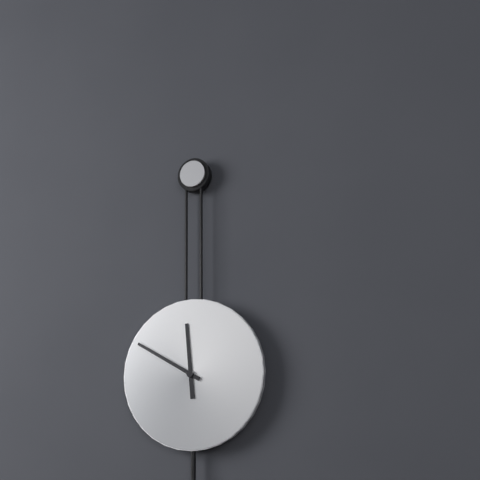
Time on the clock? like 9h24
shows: 11h50
